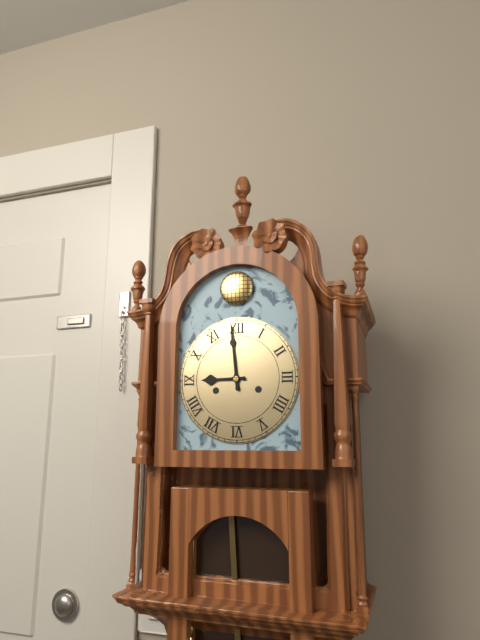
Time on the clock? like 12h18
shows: 8h59
